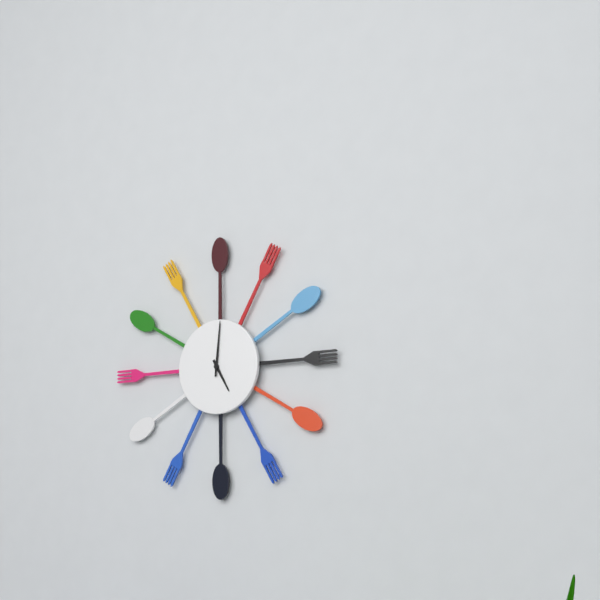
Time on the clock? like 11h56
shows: 5h01
